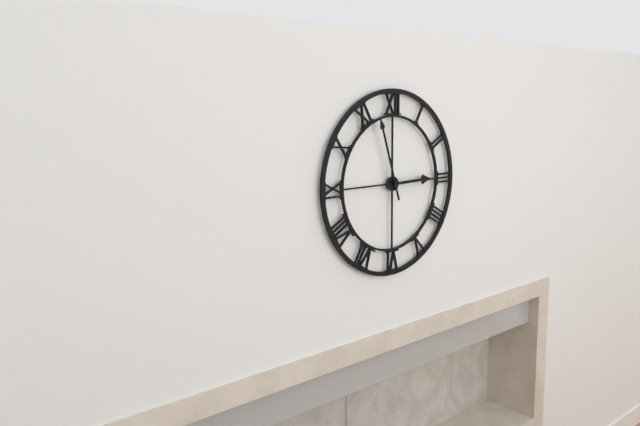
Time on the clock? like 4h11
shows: 2h57
